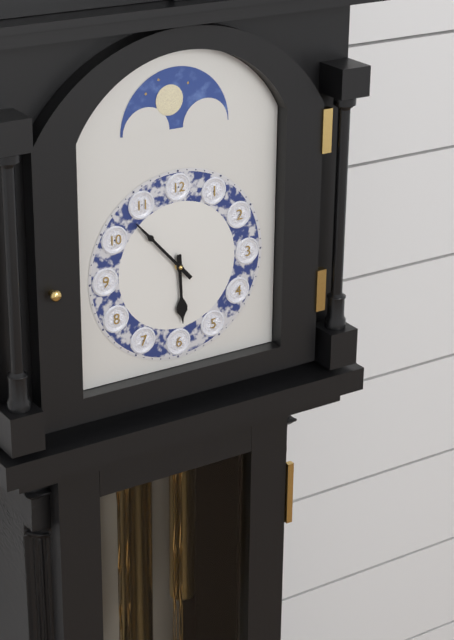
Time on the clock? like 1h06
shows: 5h53
